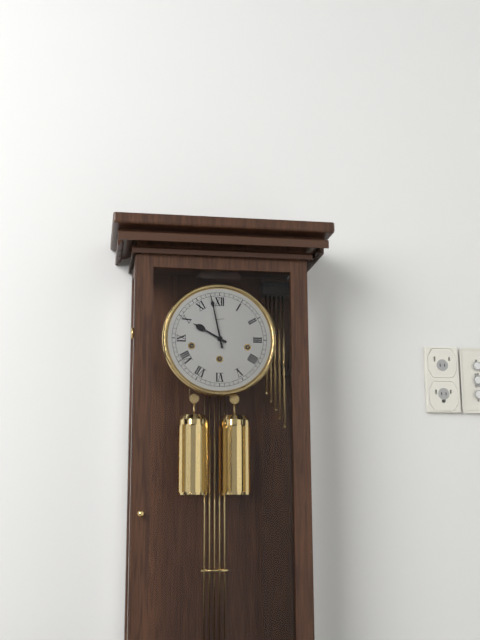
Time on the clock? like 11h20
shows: 9h58
